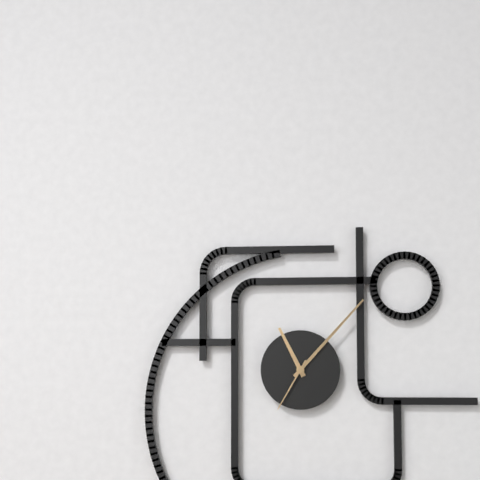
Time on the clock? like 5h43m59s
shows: 11h07m35s
